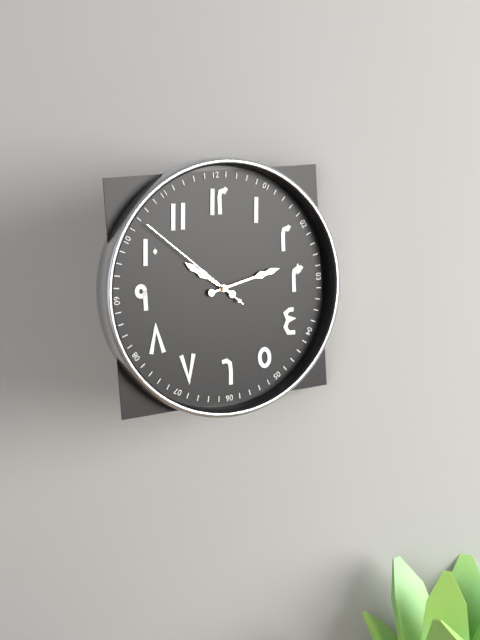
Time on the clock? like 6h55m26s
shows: 10h13m52s
